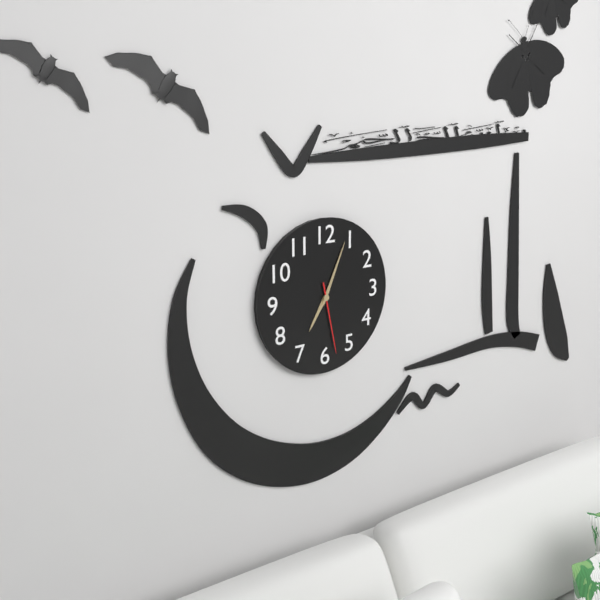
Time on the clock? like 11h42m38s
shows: 7h04m28s
